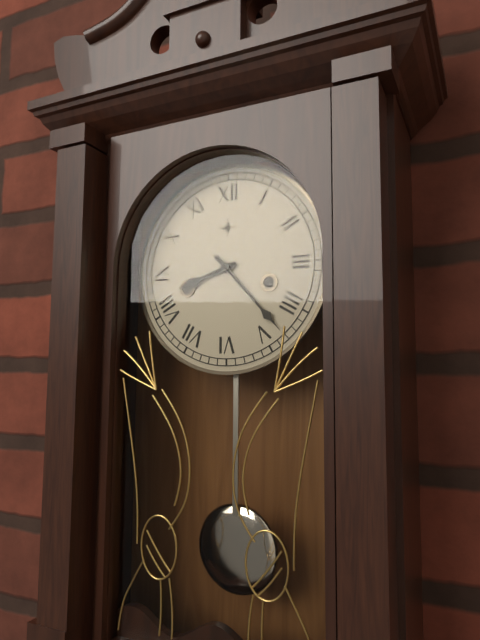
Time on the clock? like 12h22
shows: 8h23
